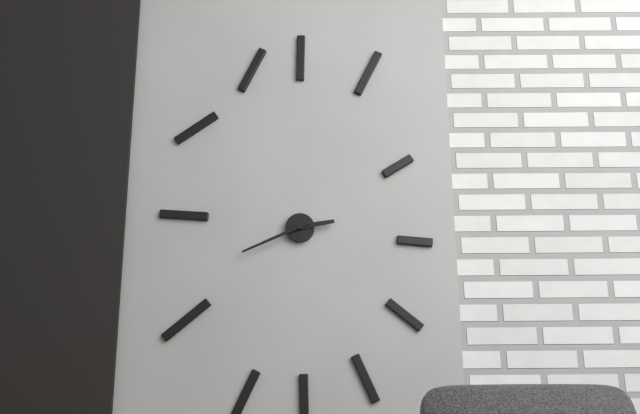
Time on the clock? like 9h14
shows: 2h41
